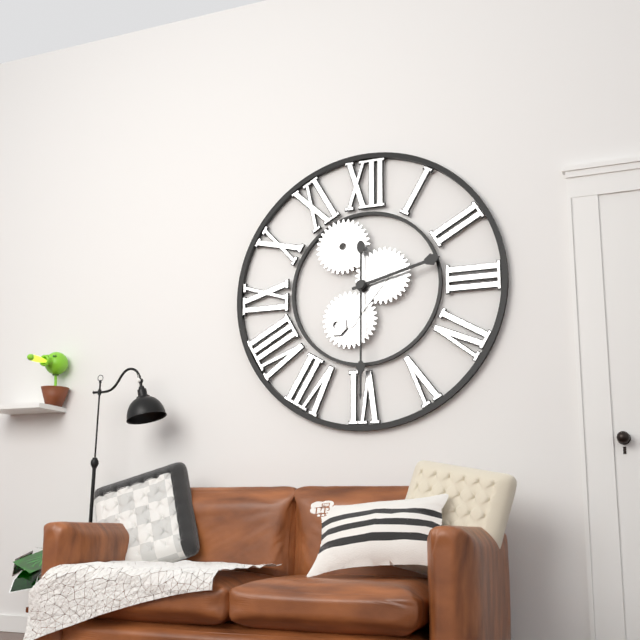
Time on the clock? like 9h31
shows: 2h30
